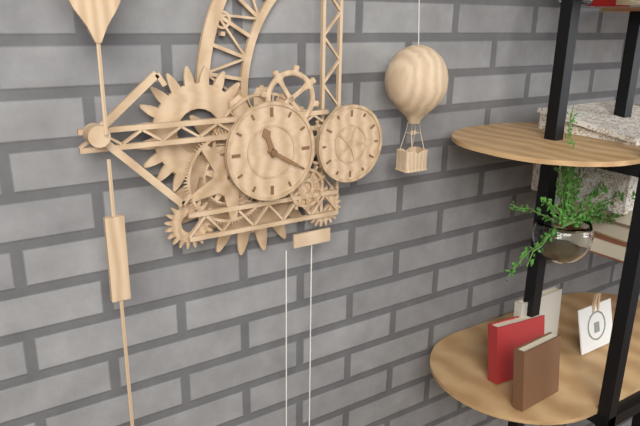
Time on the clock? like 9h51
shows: 11h20
